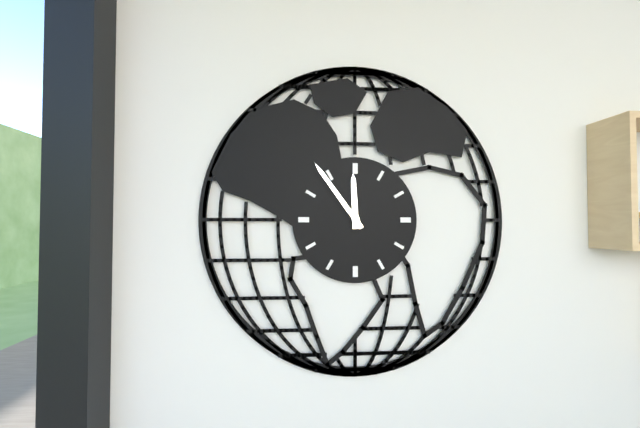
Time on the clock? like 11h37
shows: 11h54
